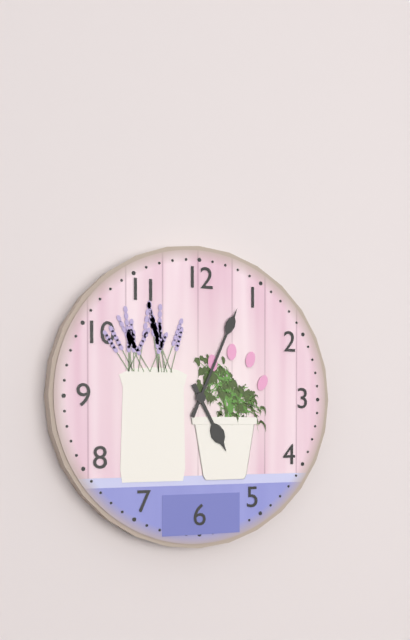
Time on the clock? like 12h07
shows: 5h04
